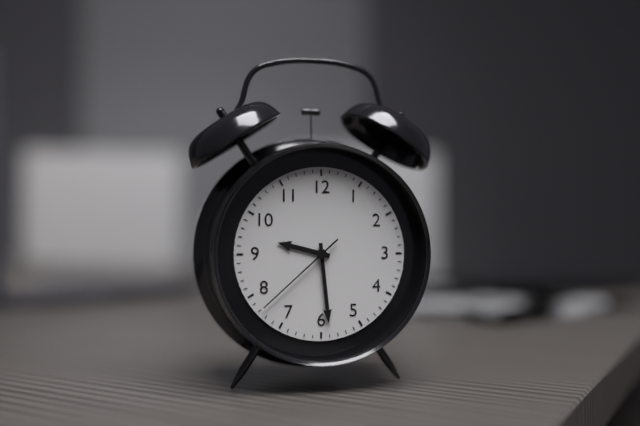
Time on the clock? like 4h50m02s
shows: 9h29m38s
